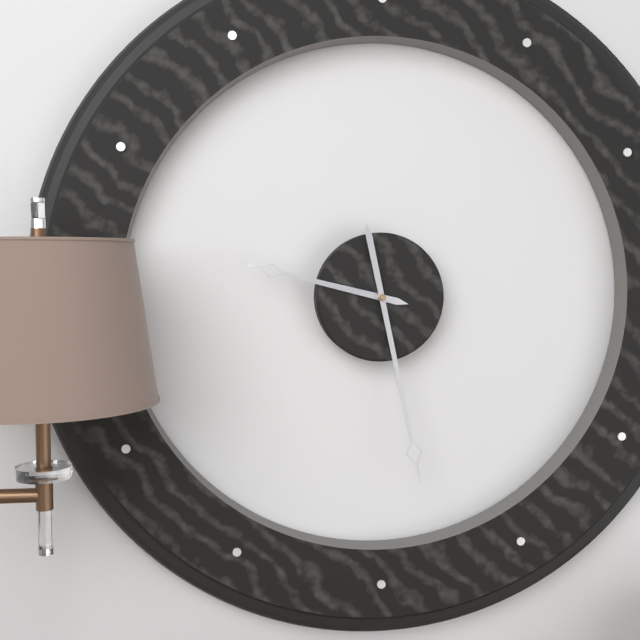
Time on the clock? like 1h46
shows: 9h28
